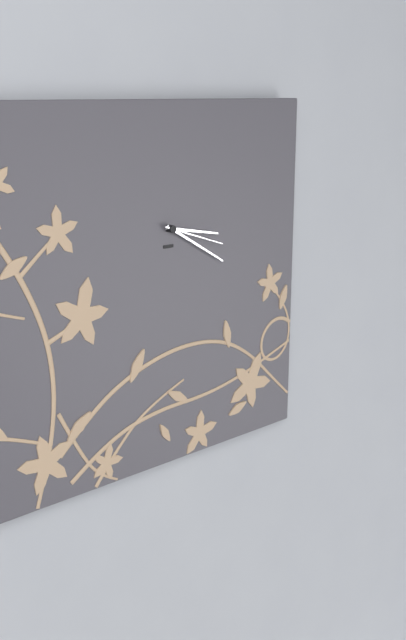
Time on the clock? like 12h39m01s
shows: 3h20m18s
